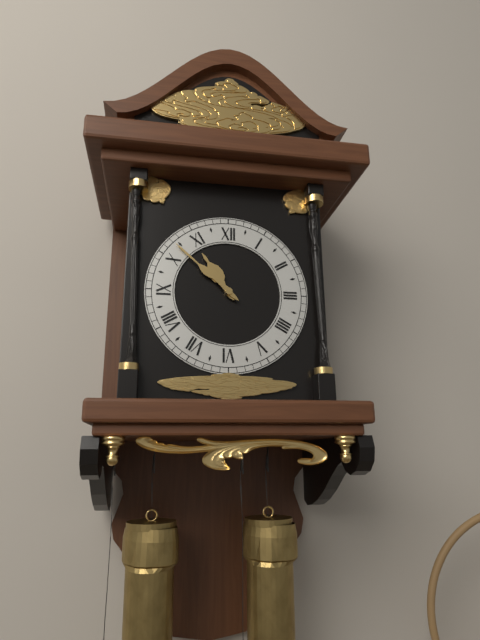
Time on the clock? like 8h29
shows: 10h52
